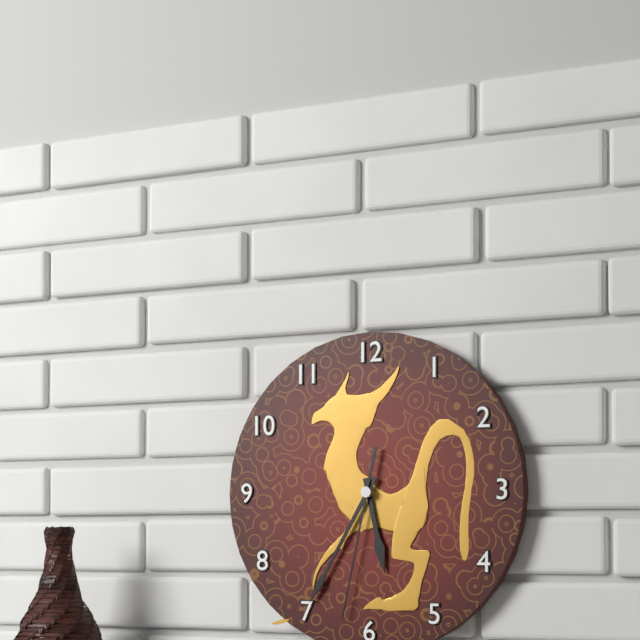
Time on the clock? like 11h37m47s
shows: 5h35m32s
